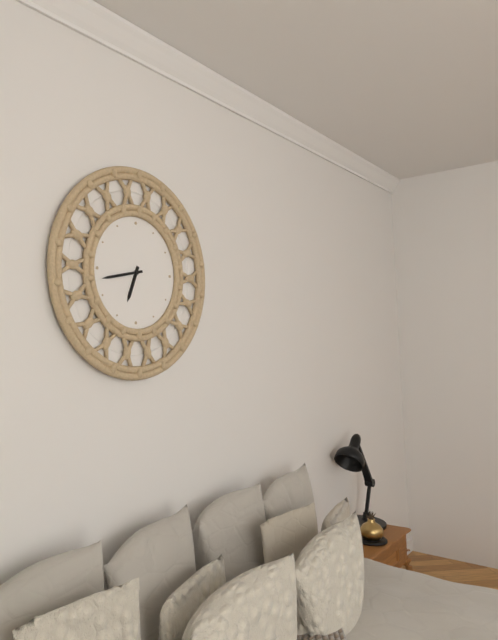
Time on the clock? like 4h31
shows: 6h43
